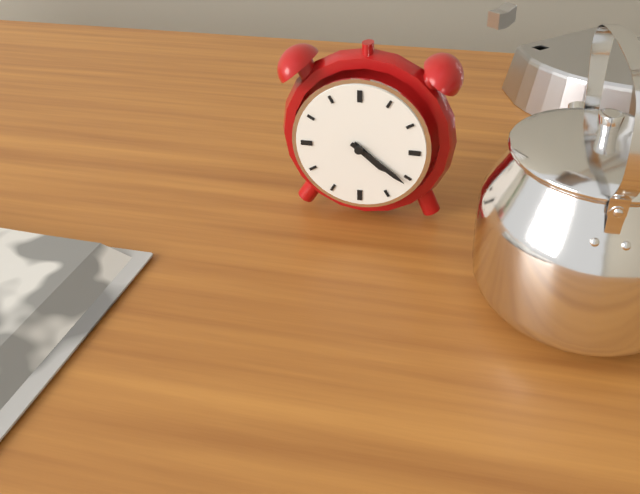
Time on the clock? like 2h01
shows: 4h21
